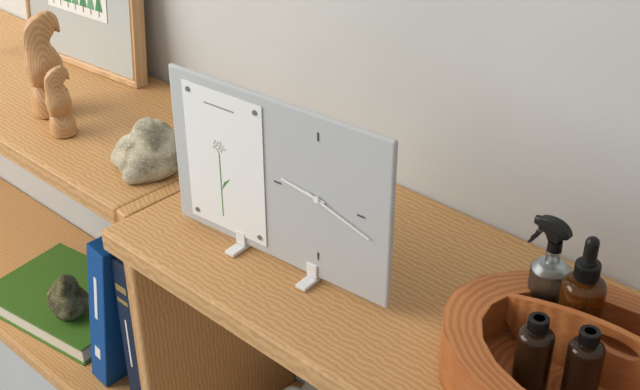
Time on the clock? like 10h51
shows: 9h18
